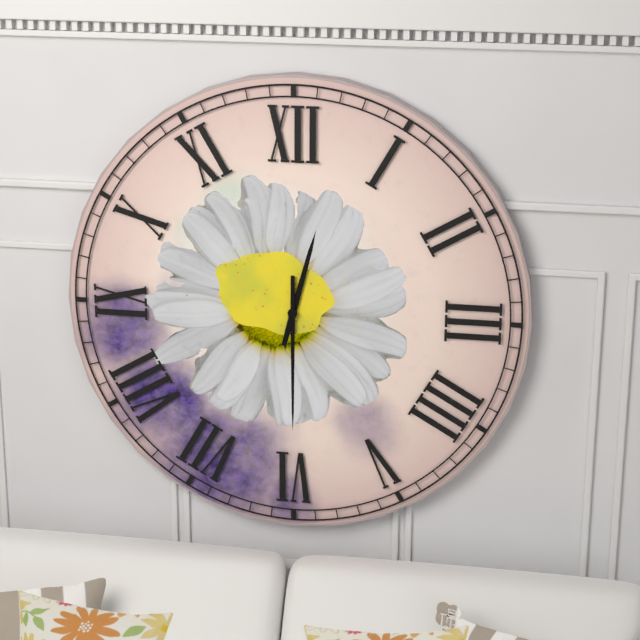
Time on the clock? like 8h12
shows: 12h30
